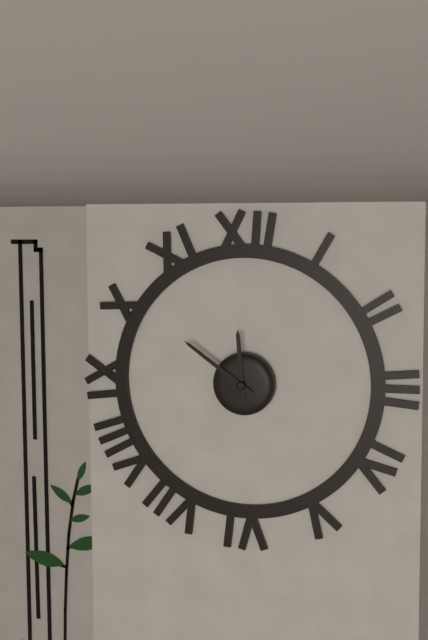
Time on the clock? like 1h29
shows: 11h51
